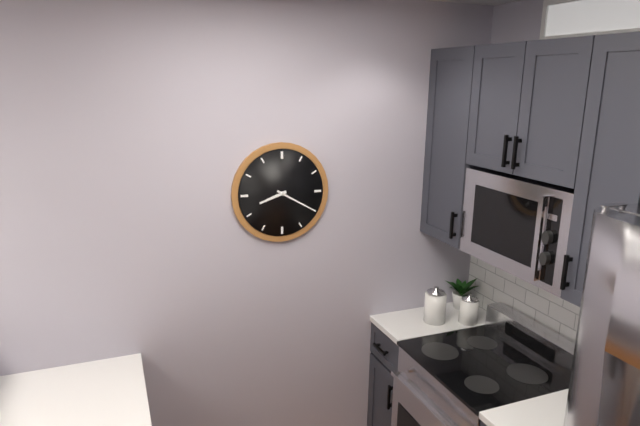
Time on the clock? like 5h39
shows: 8h20
